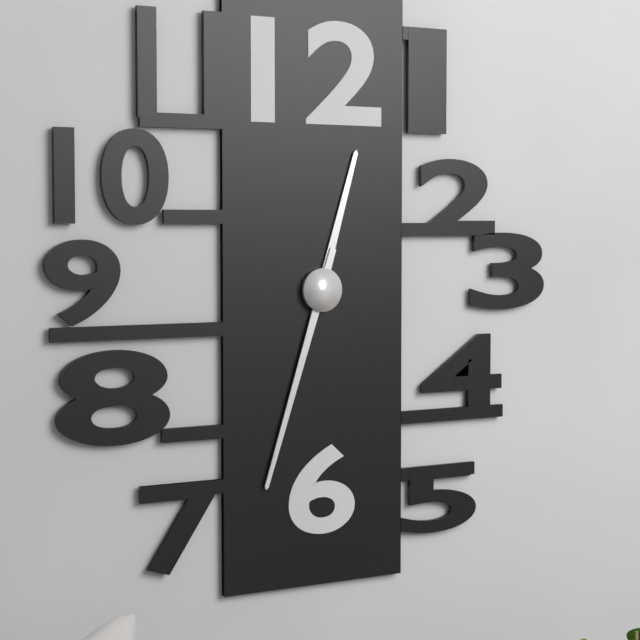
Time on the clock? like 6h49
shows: 12h33
